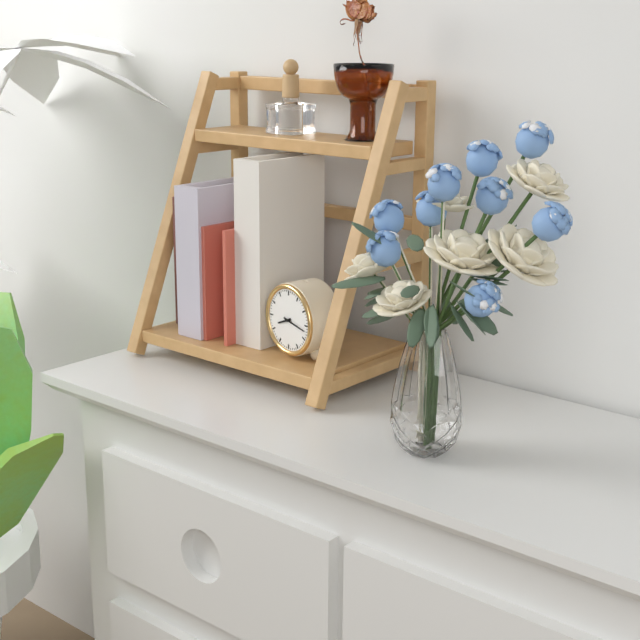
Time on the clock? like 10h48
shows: 8h17
